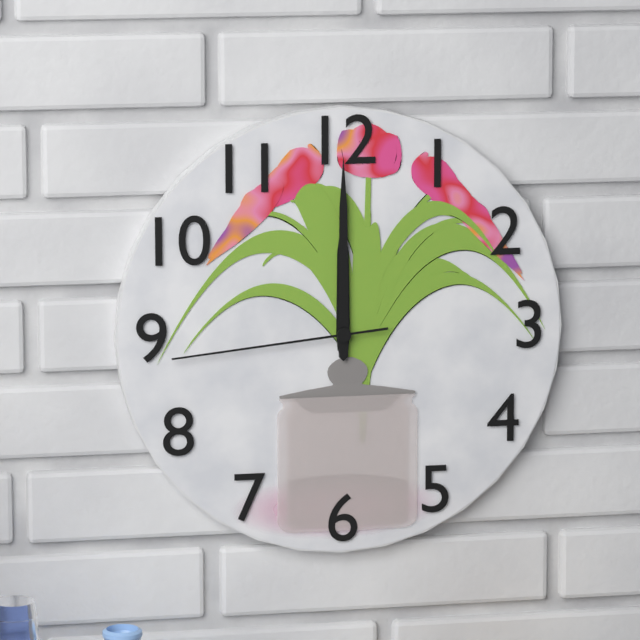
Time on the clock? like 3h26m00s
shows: 12h00m44s
